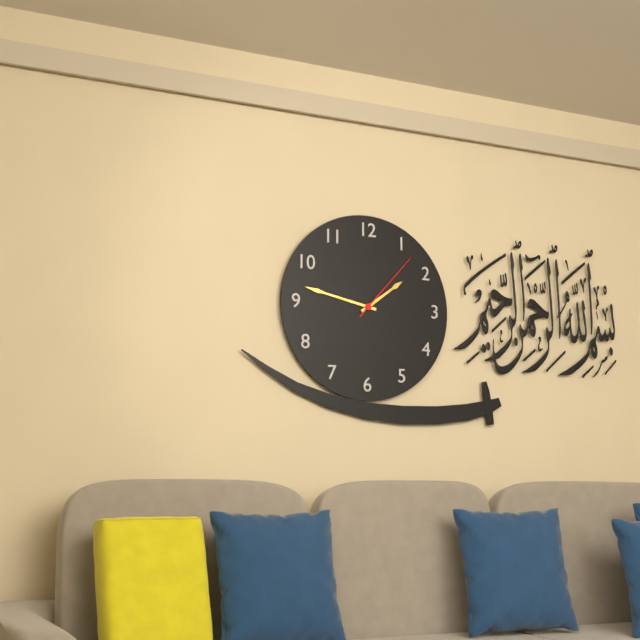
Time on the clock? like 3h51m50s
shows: 1h47m07s
